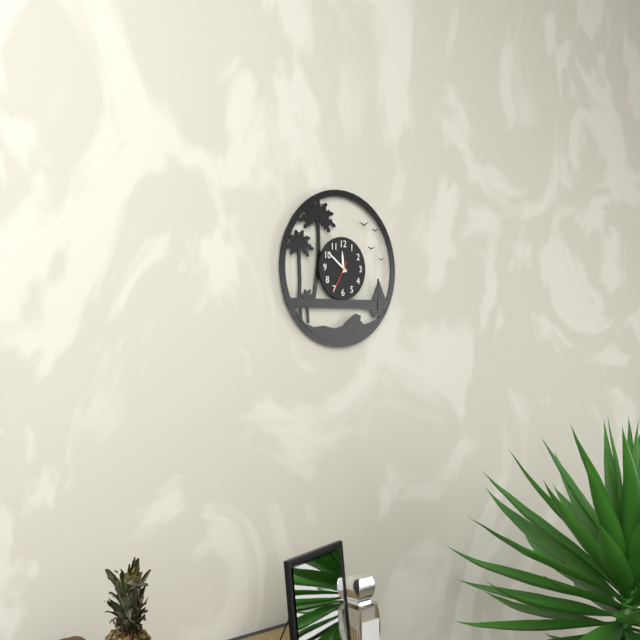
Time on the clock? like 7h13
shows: 11h51
